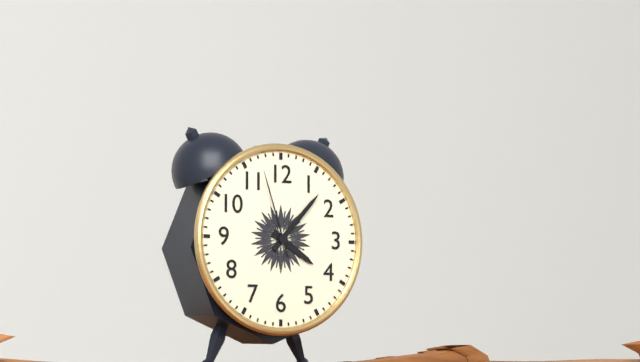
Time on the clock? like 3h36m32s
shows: 4h07m57s
